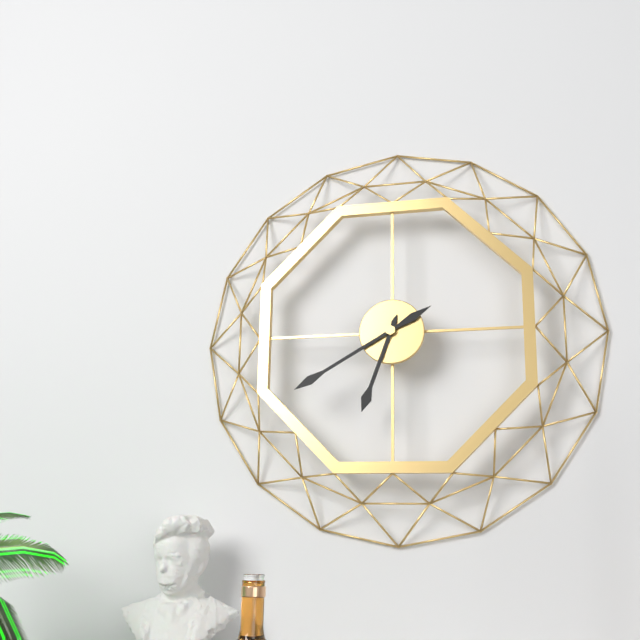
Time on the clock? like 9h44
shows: 6h40
